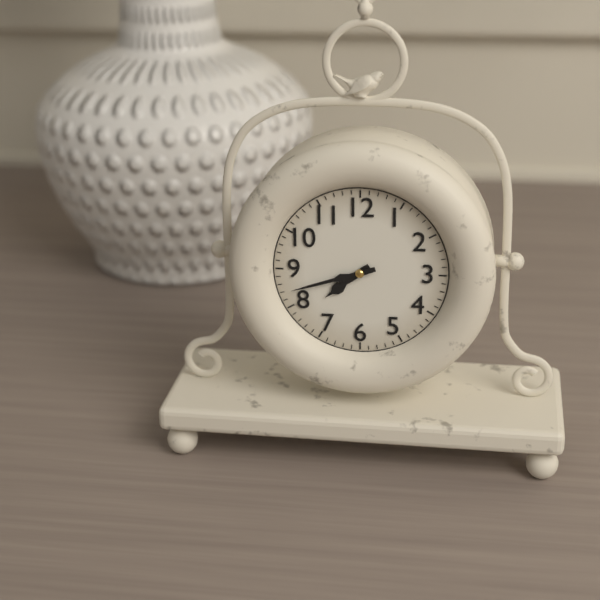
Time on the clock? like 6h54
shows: 7h42
